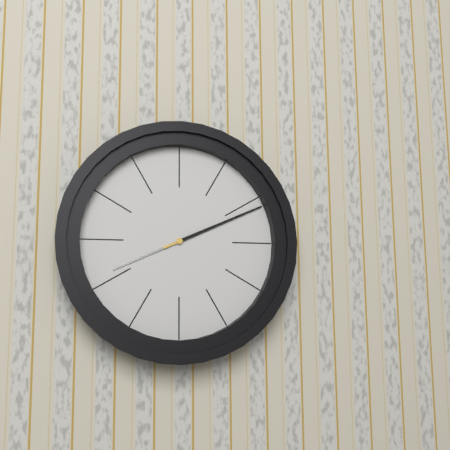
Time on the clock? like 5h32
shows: 8h11
